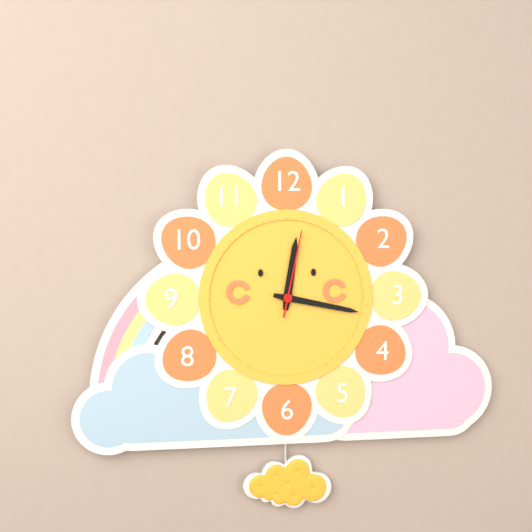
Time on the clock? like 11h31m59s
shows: 12h17m02s
